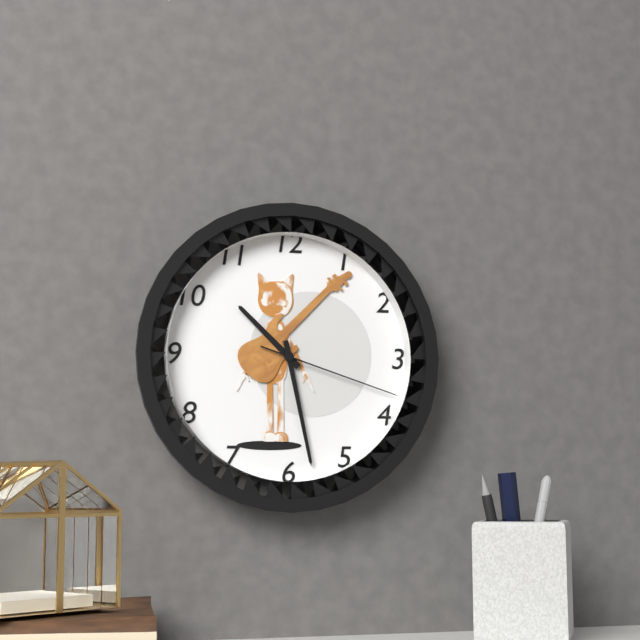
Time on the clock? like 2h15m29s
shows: 10h28m18s
